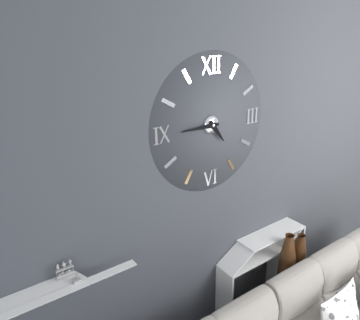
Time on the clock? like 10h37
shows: 4h45
